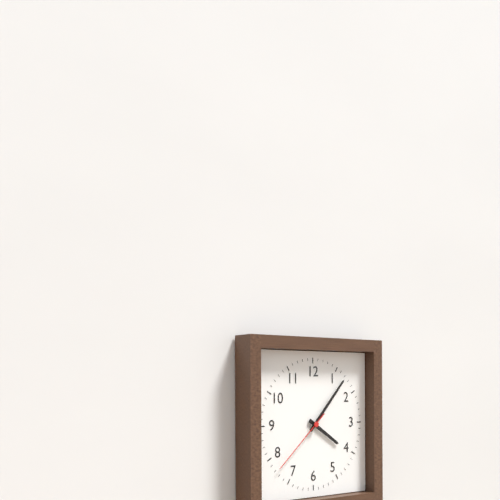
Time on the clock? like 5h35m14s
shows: 4h07m38s
